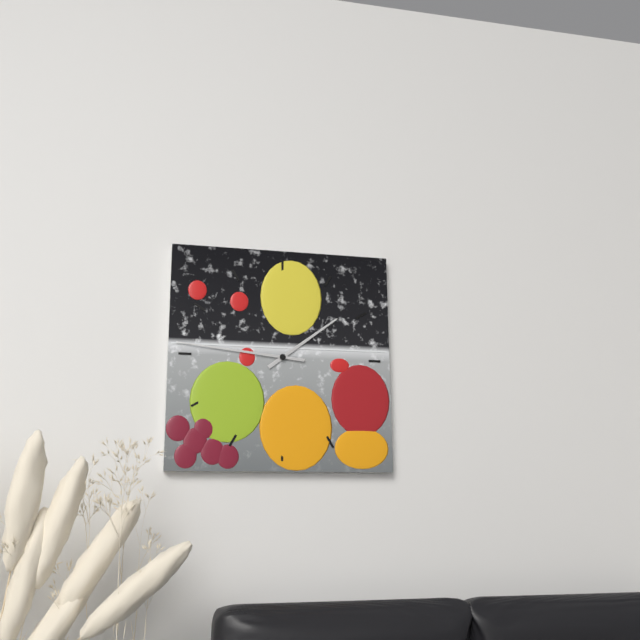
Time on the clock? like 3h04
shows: 1h46
